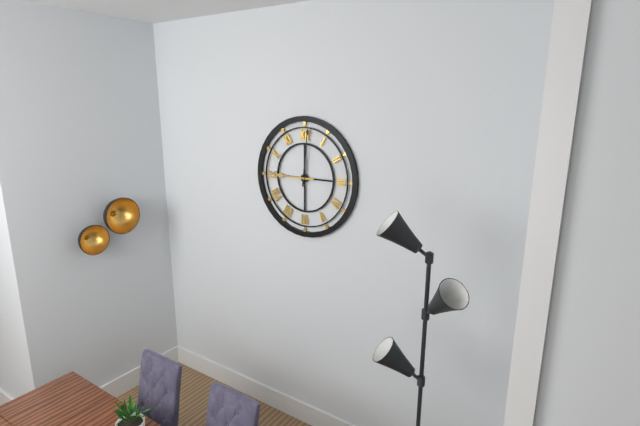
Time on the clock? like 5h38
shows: 9h01
